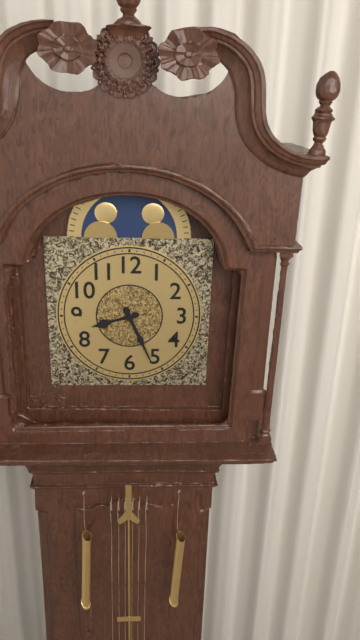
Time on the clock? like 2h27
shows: 8h26
